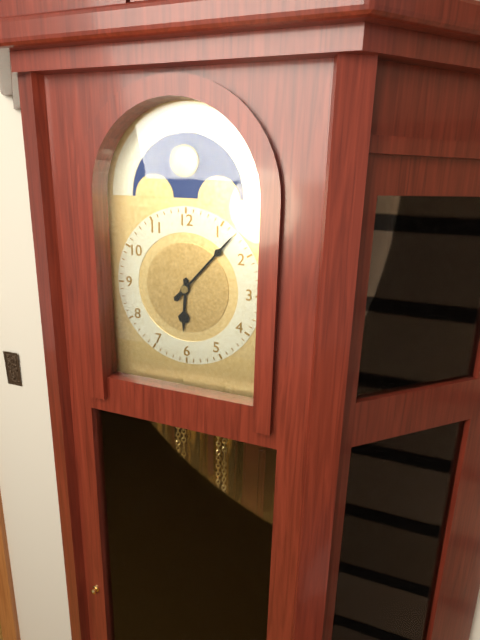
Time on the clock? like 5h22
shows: 6h07
